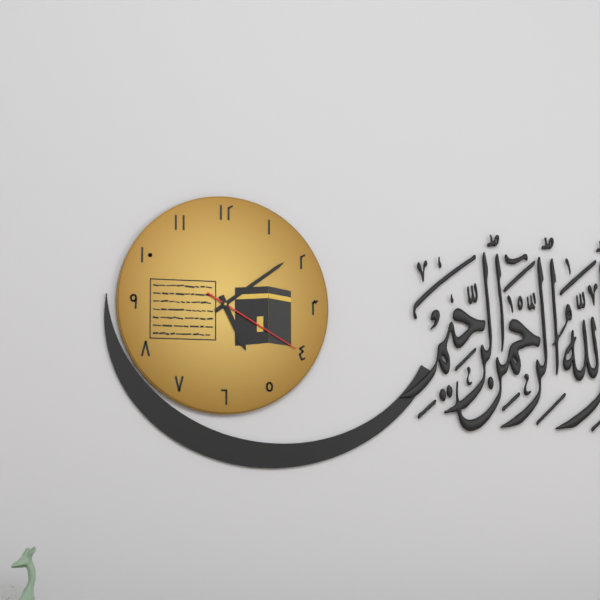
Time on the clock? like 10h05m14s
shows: 5h09m20s
